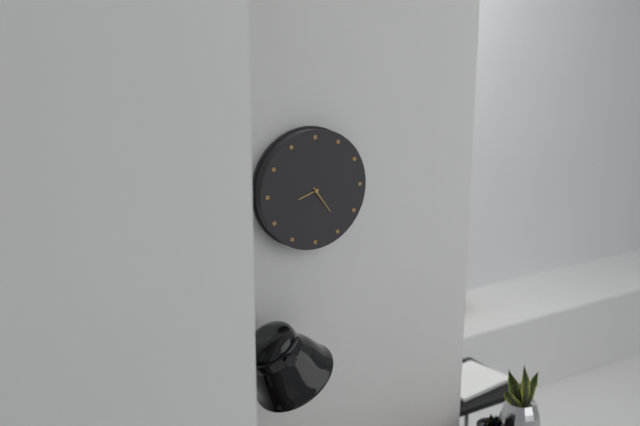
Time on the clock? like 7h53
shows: 8h24
